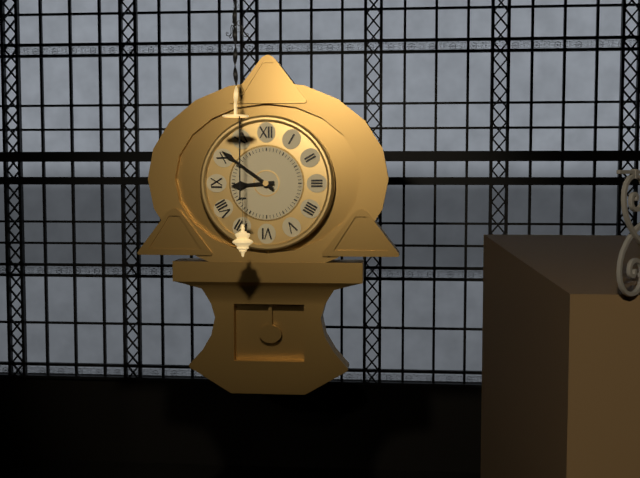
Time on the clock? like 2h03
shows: 8h51
